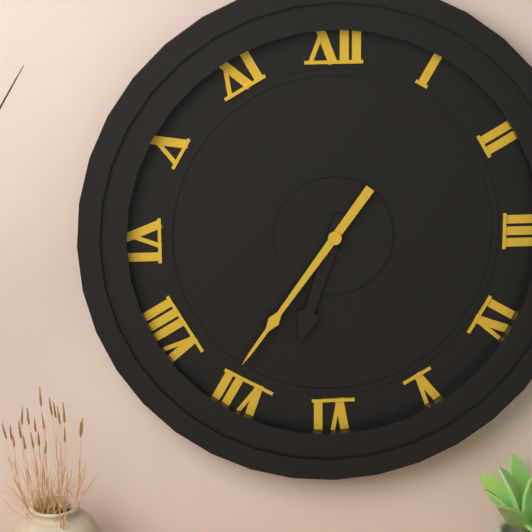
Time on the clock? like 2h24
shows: 6h36
